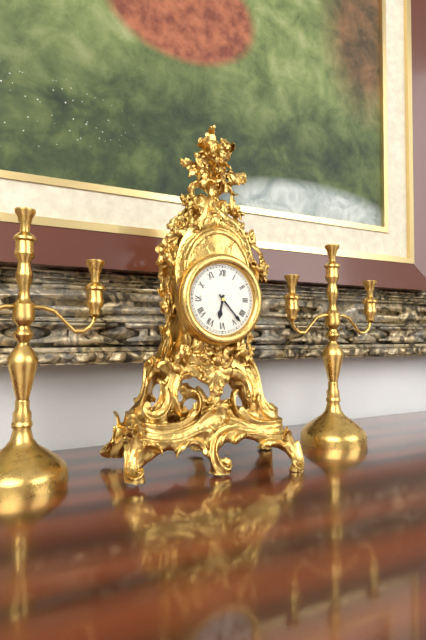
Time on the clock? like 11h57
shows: 6h23
